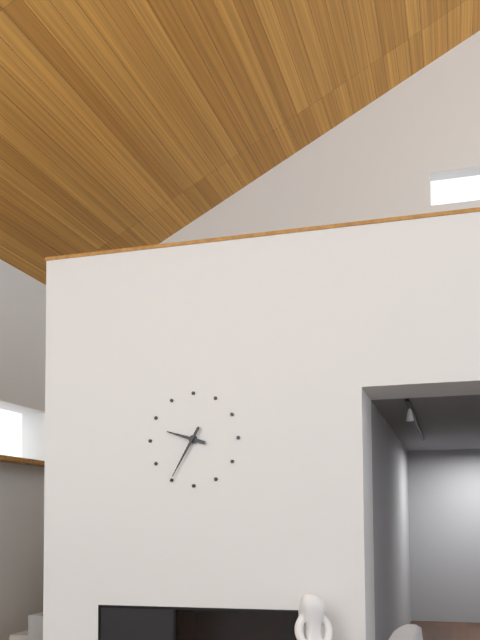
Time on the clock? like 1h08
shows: 9h35
